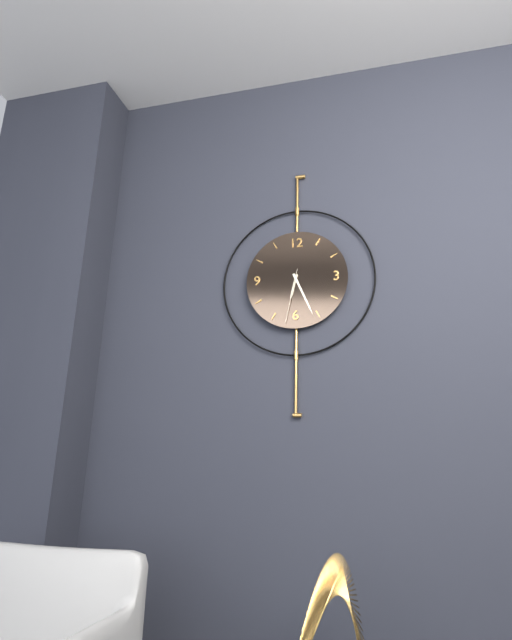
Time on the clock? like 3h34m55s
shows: 6h26m32s
